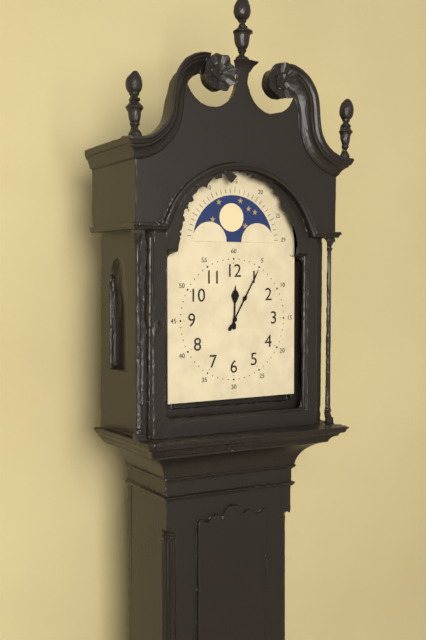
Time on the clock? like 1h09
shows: 12h05
